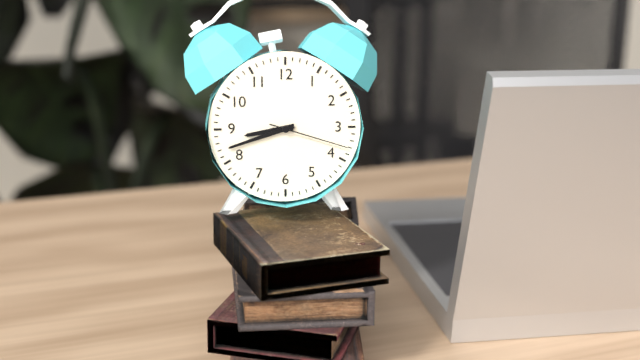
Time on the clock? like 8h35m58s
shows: 8h42m18s
